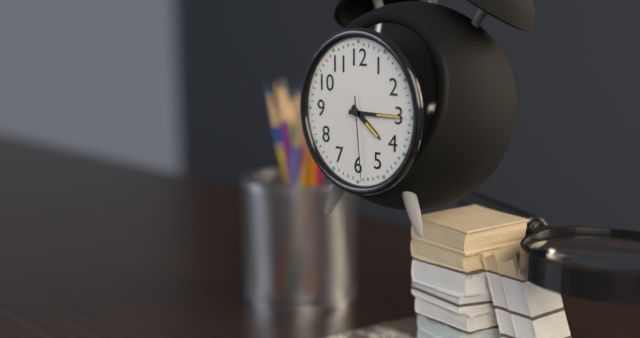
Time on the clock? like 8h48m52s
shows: 4h15m29s
